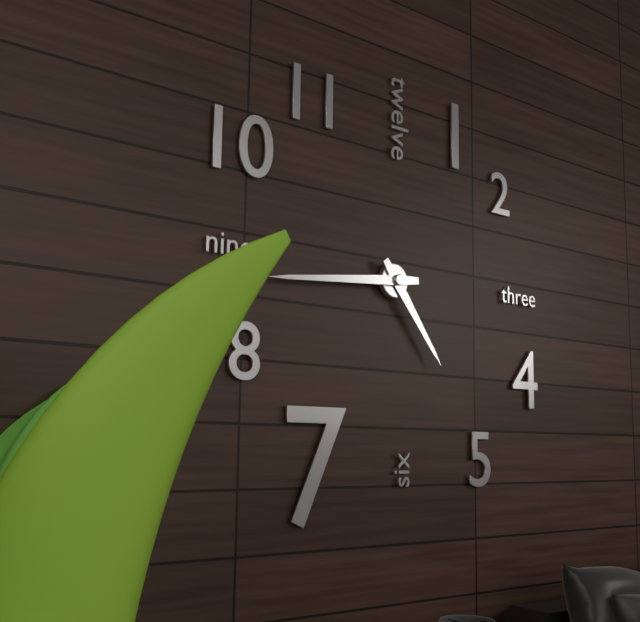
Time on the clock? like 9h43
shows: 4h44
